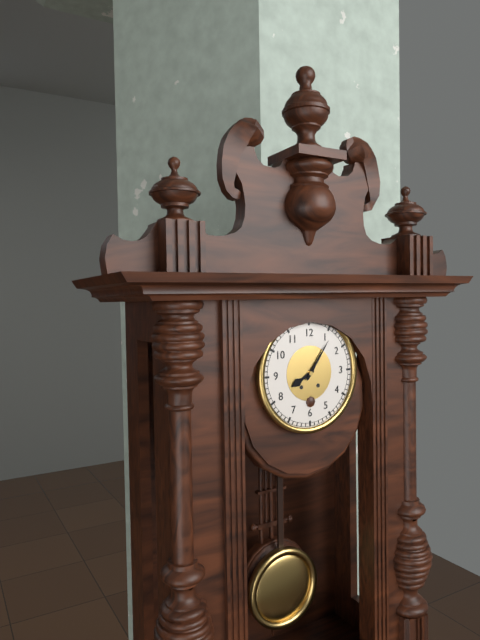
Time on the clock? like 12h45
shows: 8h06
